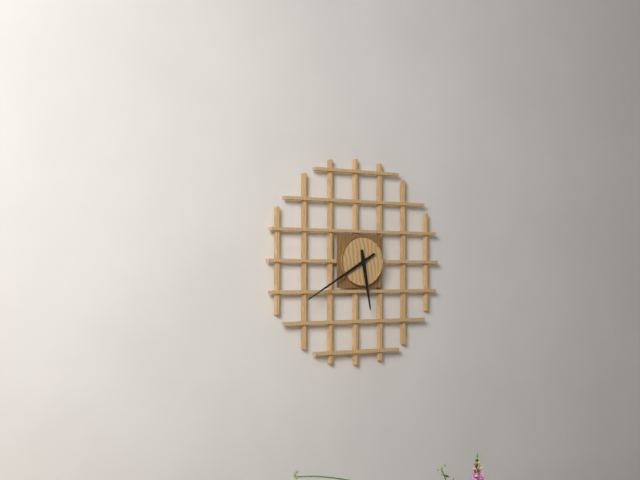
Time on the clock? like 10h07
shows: 5h40
